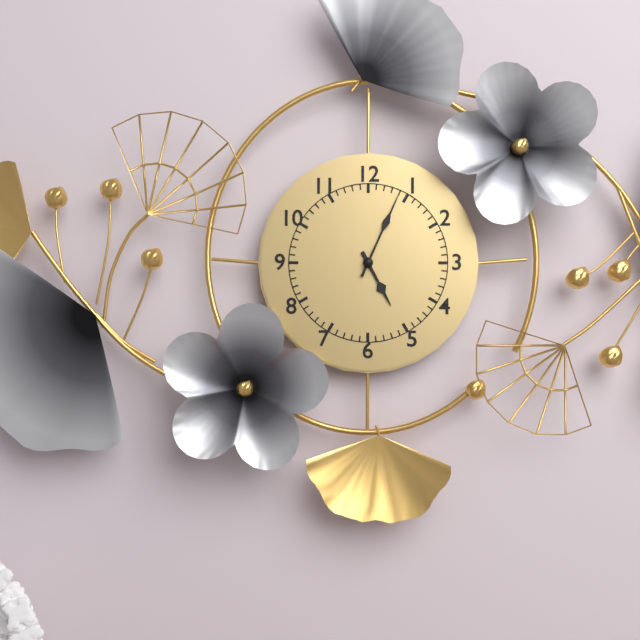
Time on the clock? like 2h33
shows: 5h04
